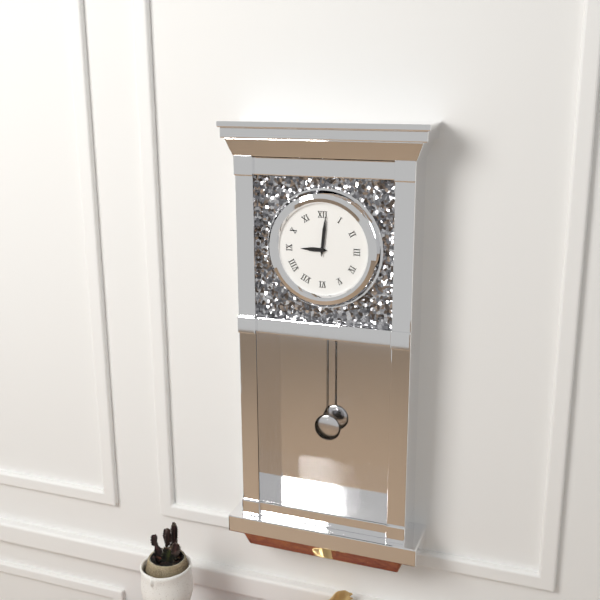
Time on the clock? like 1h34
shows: 9h01
